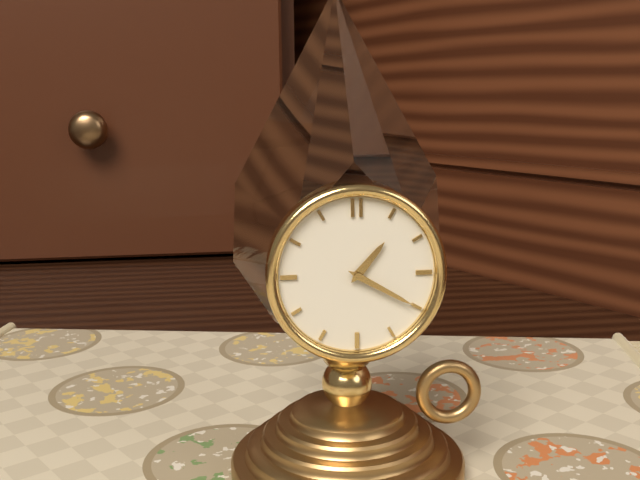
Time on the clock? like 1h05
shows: 1h20
